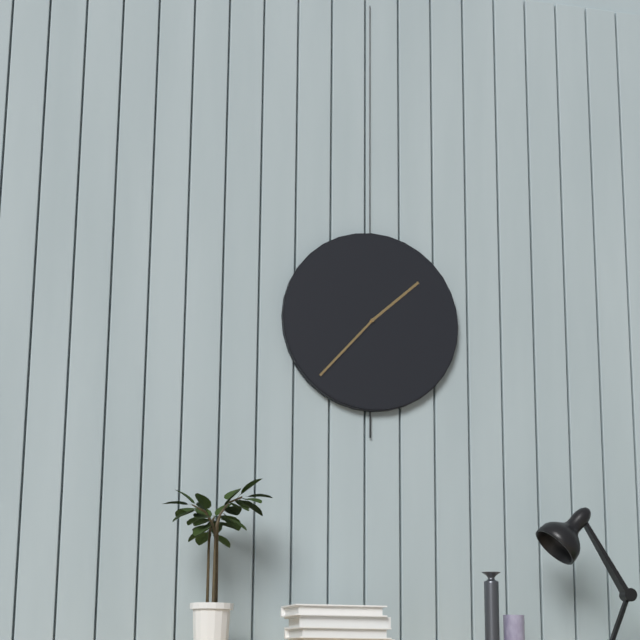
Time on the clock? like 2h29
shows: 1h37
